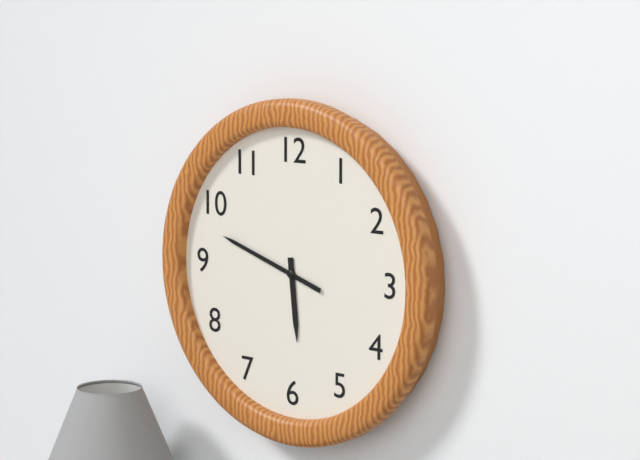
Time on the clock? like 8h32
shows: 5h48
